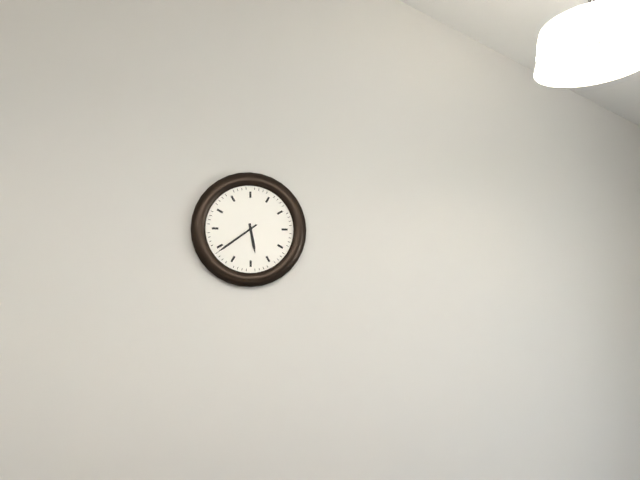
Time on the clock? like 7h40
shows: 5h39
